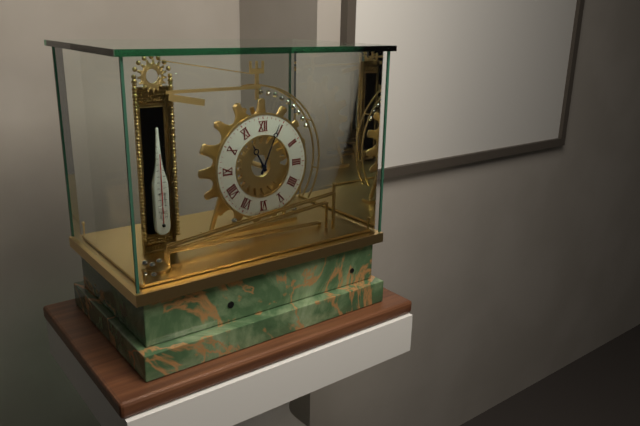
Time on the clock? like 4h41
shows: 11h04
